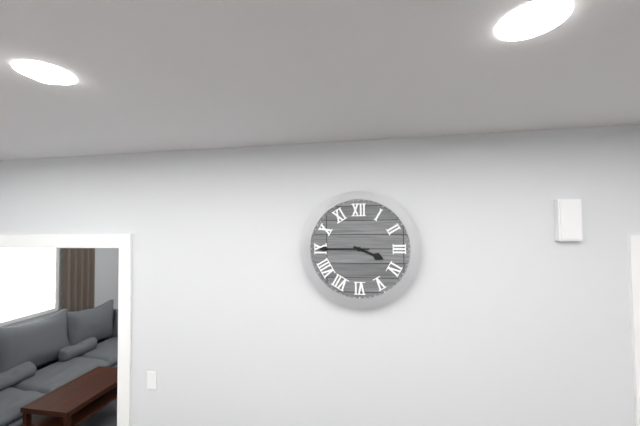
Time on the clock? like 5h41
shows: 3h45
